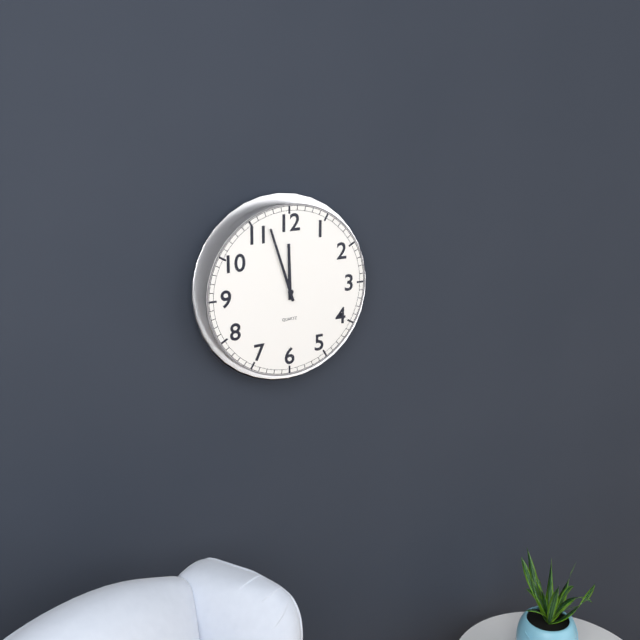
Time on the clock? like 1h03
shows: 11h57
